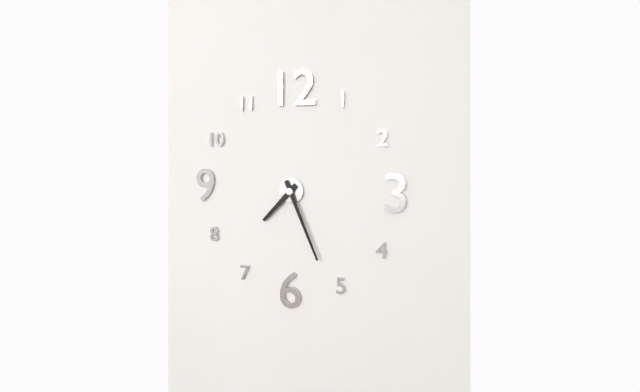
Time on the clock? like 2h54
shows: 7h26
